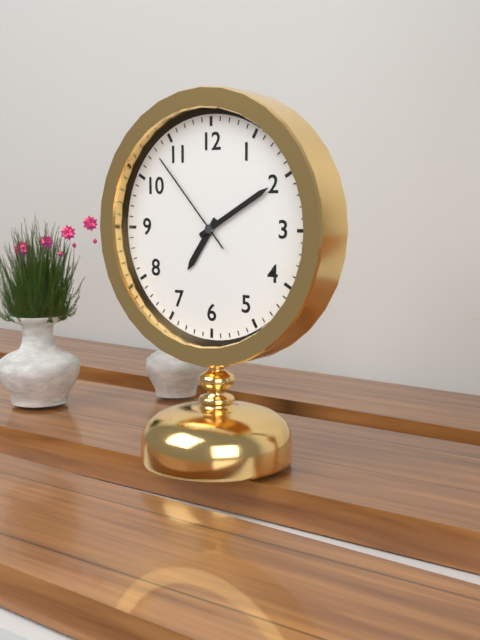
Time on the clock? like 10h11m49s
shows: 7h10m53s
